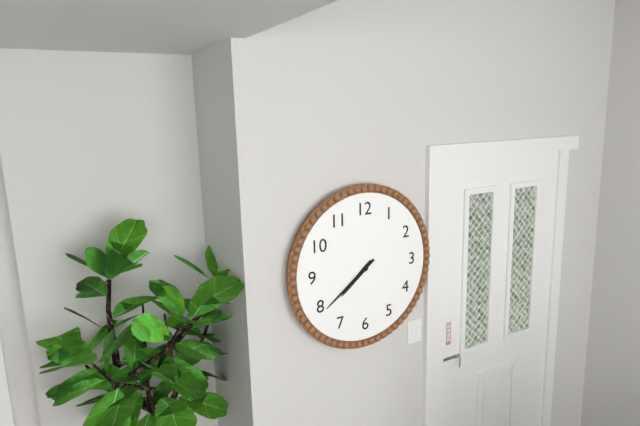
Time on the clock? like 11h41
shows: 7h39
